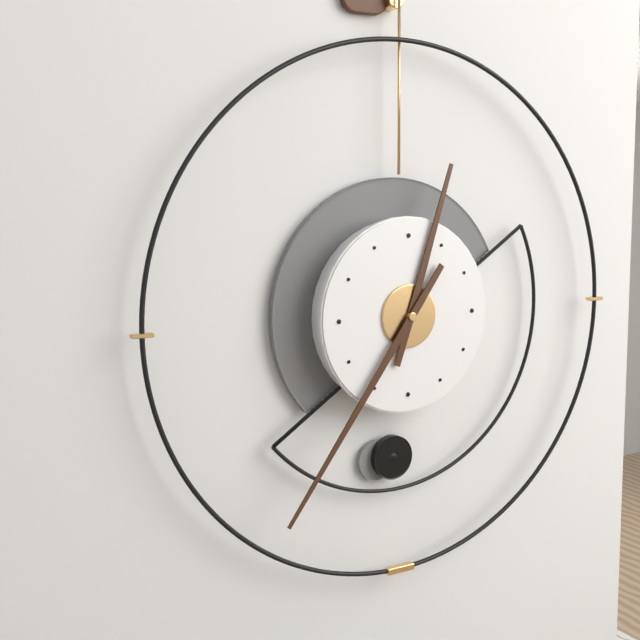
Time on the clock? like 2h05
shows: 12h36
